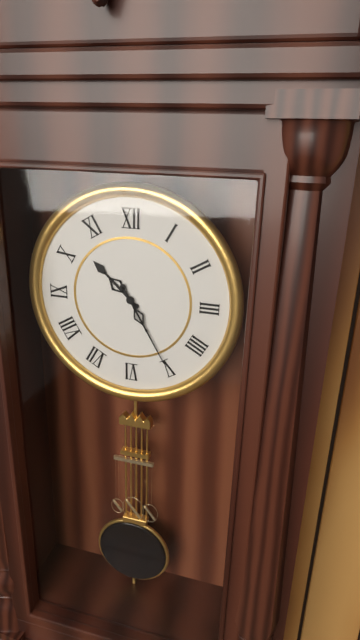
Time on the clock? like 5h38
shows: 10h25
